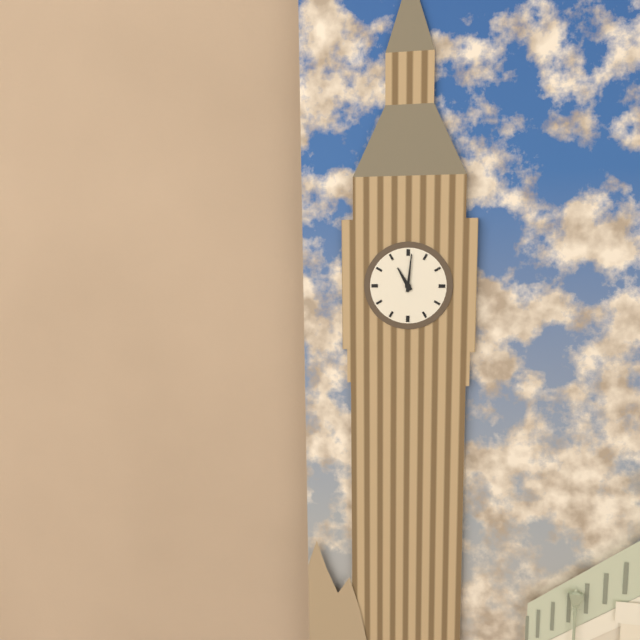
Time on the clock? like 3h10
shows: 11h01
